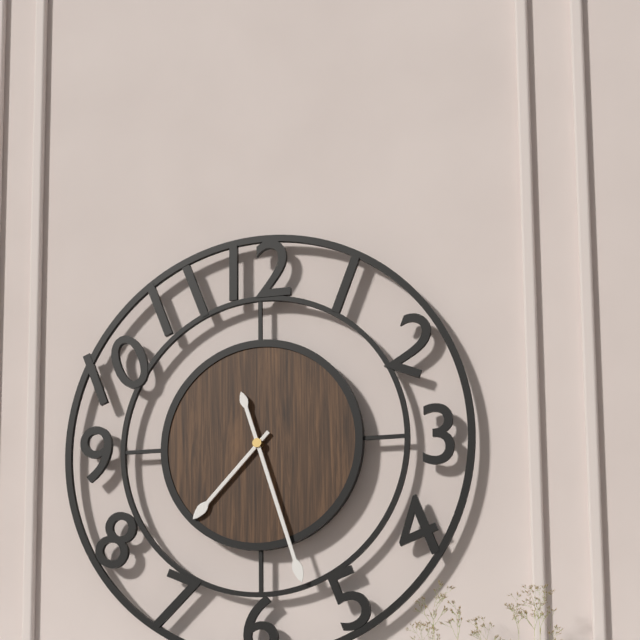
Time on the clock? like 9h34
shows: 7h27
